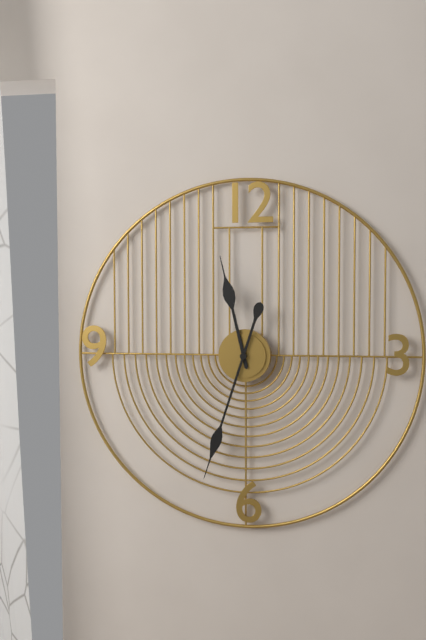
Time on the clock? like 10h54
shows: 11h33
